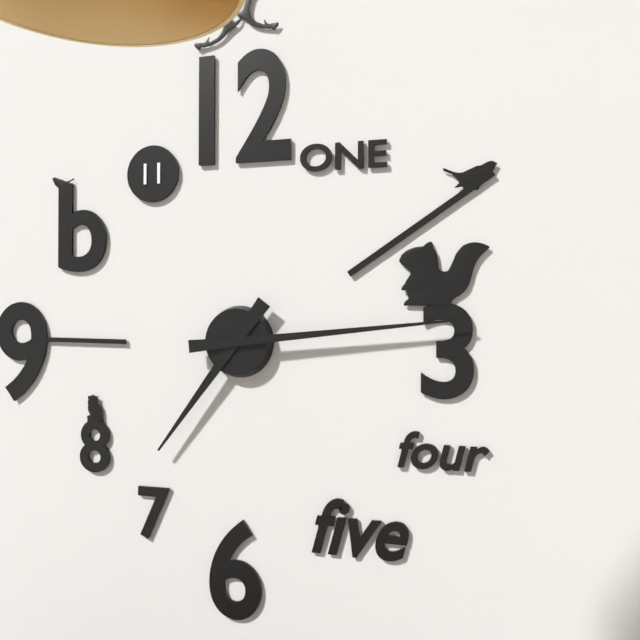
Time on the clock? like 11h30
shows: 7h14
